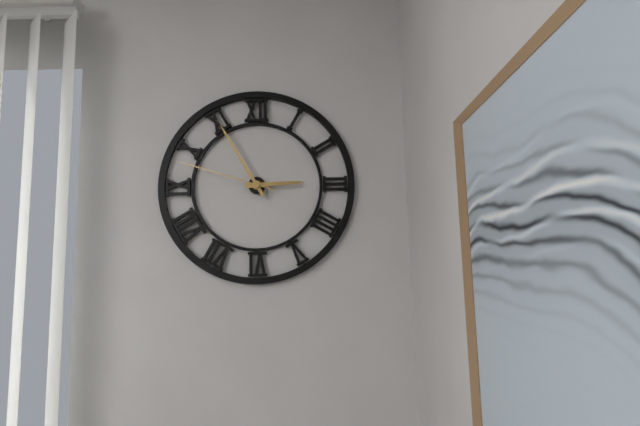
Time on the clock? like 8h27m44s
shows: 2h55m48s
